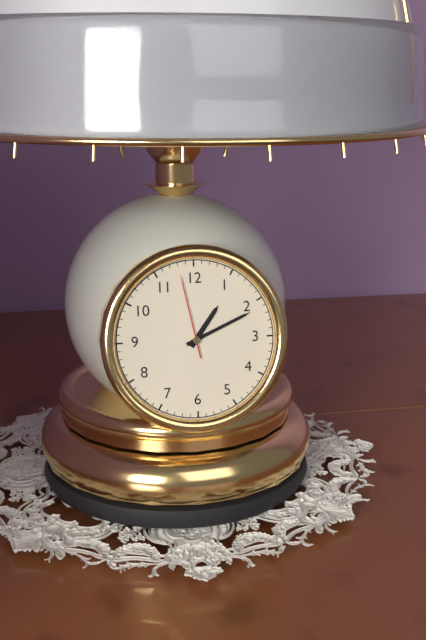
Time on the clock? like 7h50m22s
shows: 1h11m58s
